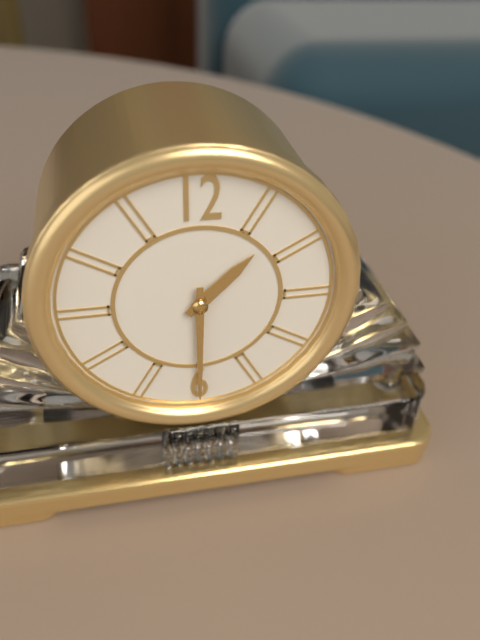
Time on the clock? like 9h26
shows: 1h30
